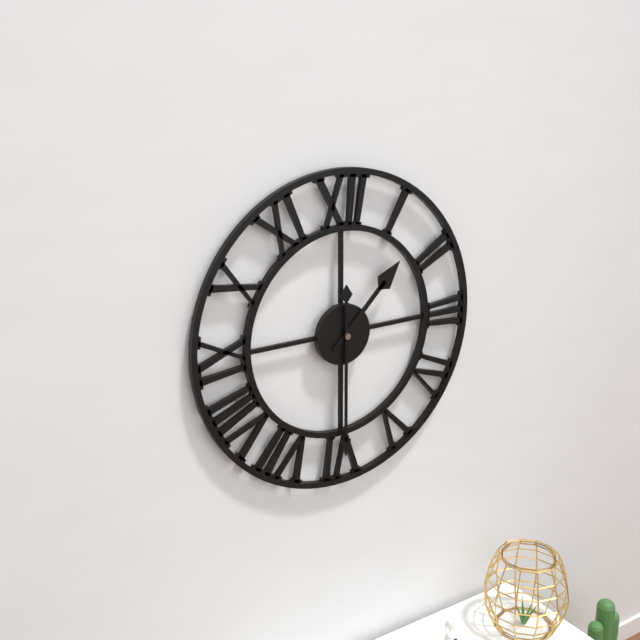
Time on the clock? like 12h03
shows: 1h30
